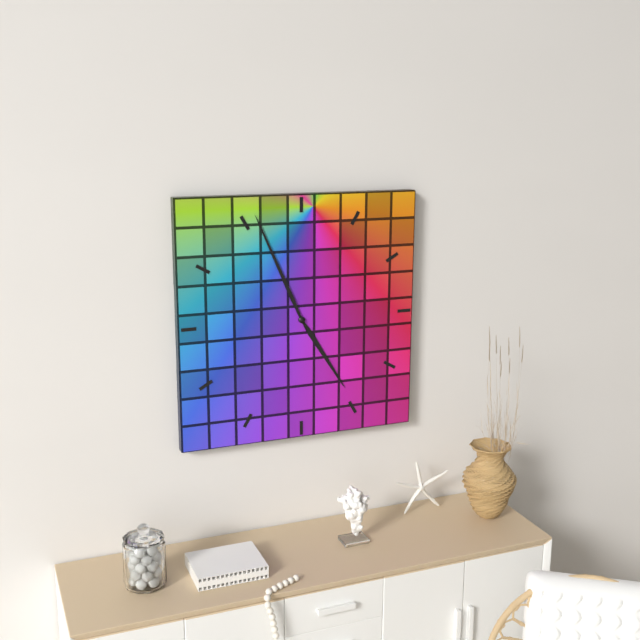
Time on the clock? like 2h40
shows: 4h56
